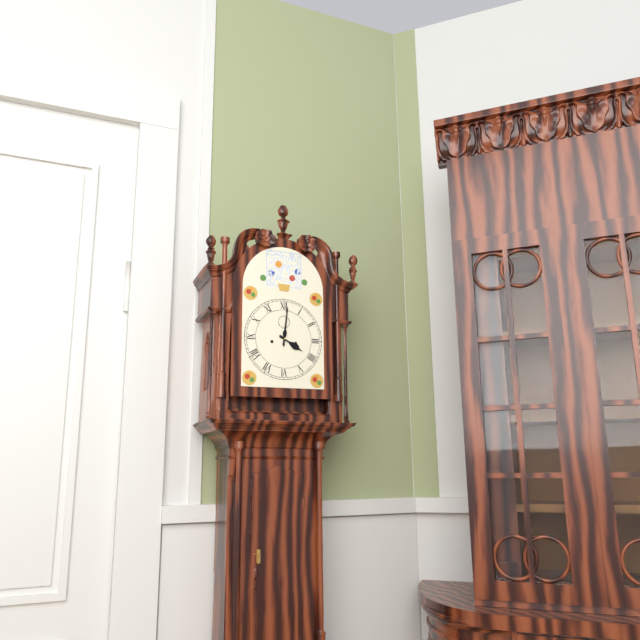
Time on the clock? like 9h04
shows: 4h01
